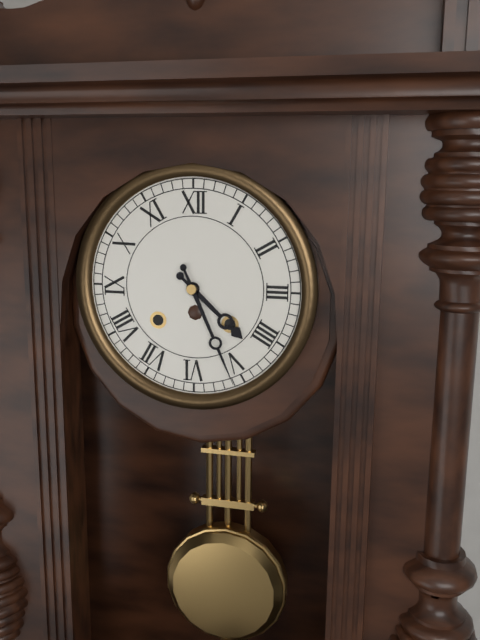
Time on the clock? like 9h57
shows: 4h26
